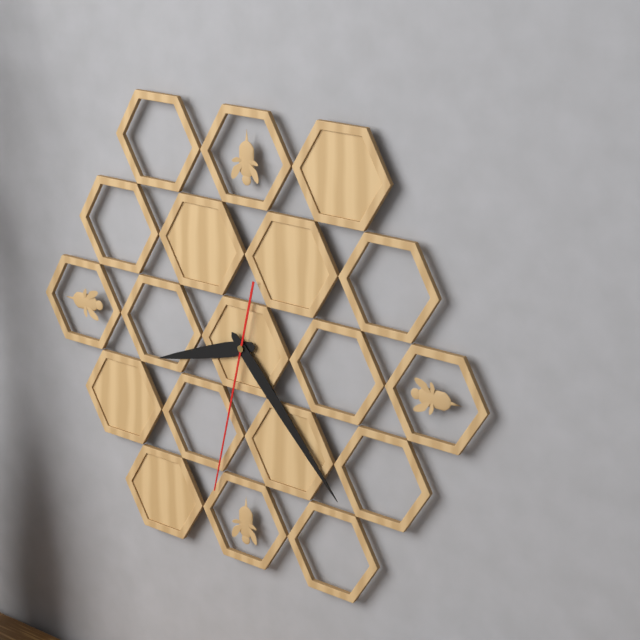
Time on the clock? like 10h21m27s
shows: 8h23m32s
